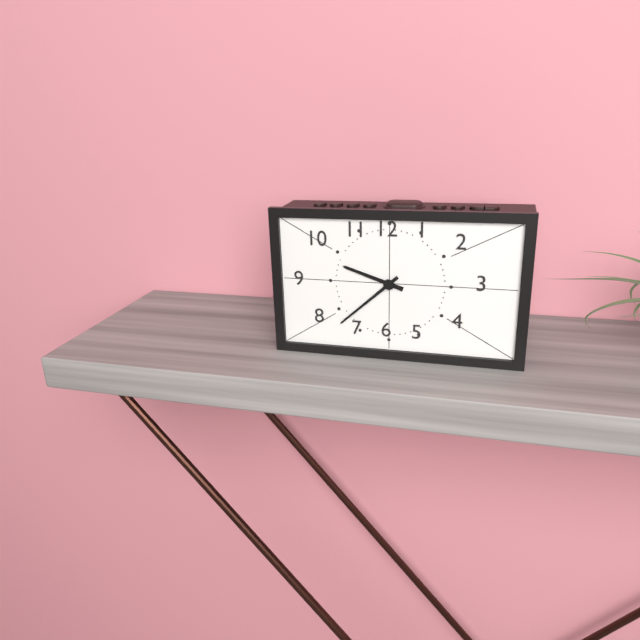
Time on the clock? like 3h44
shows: 9h38
